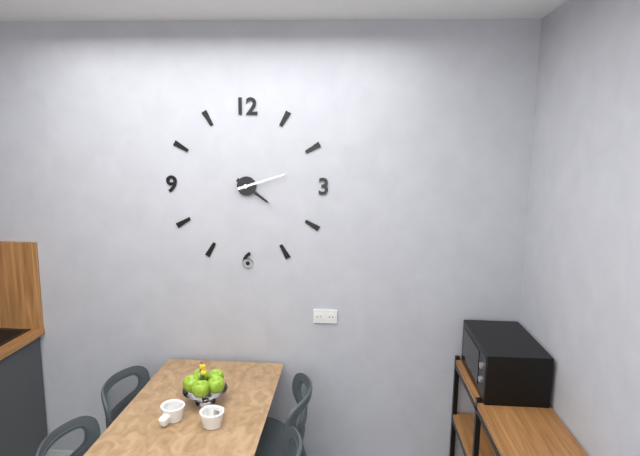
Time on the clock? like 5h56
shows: 4h12
